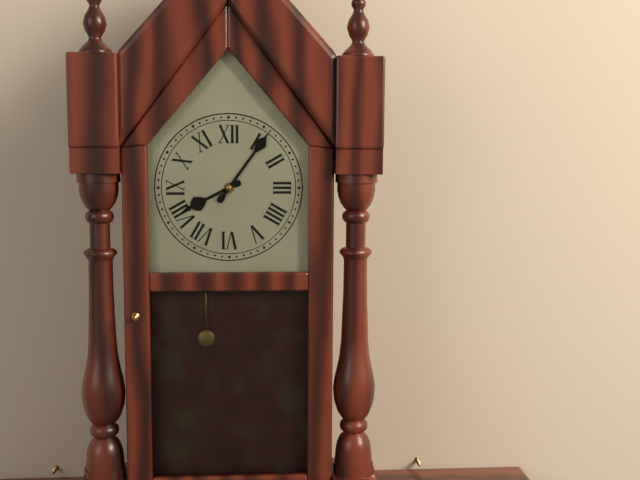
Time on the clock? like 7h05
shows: 8h06
